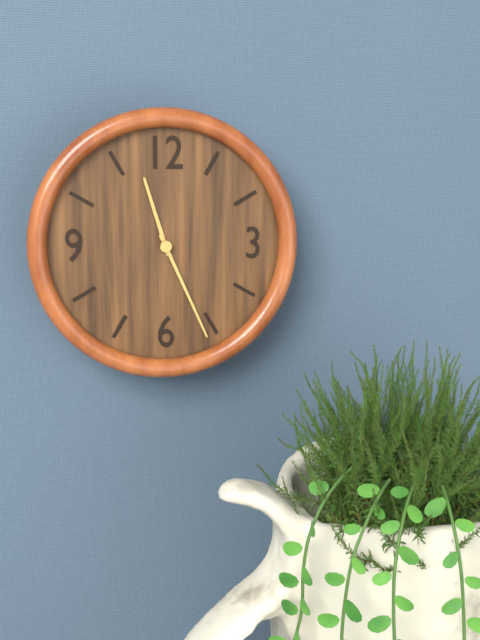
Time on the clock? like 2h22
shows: 11h26
